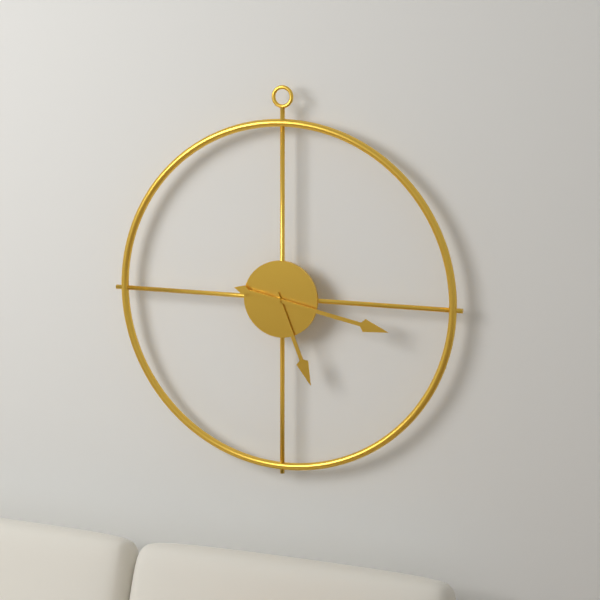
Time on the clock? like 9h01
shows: 5h17
